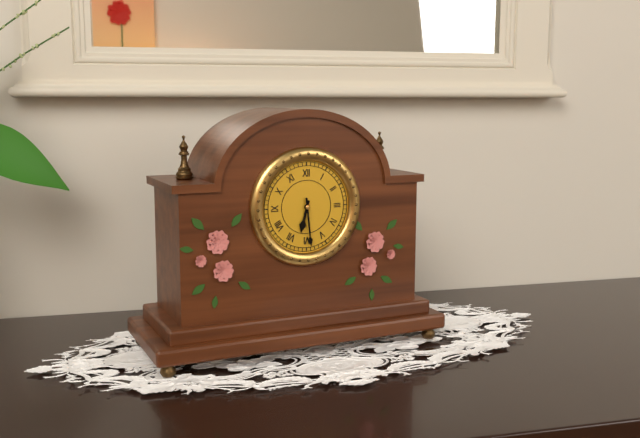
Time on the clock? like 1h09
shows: 6h29
